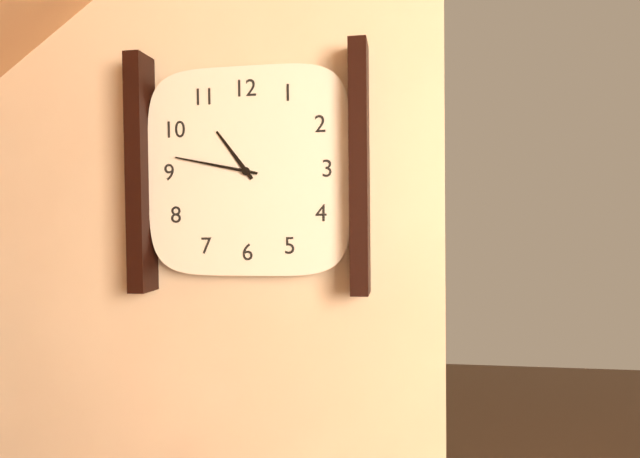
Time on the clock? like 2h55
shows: 10h47
